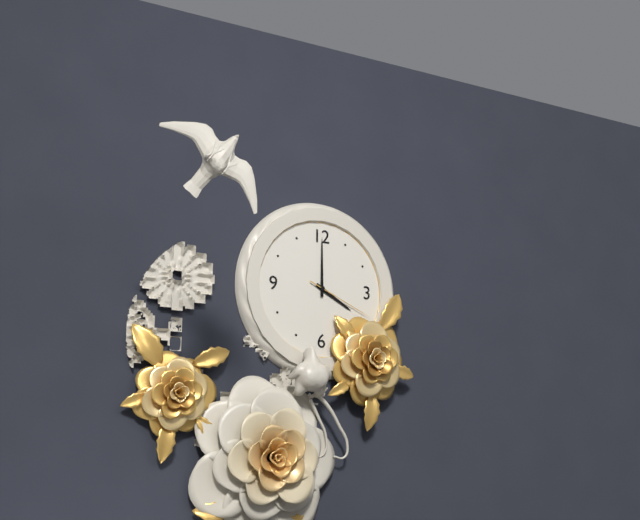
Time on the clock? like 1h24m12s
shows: 4h00m19s
